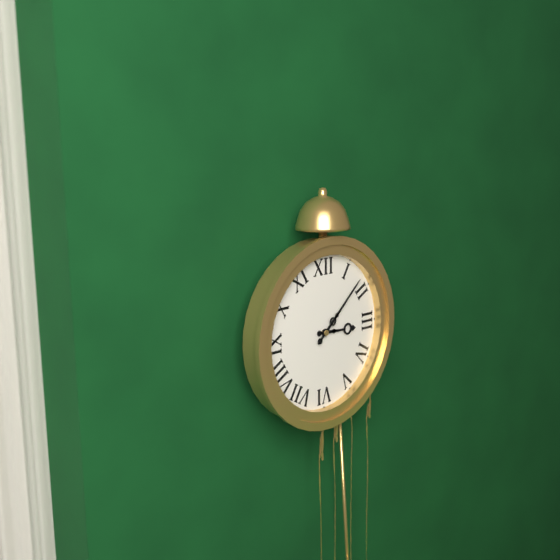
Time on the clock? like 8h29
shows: 3h08
